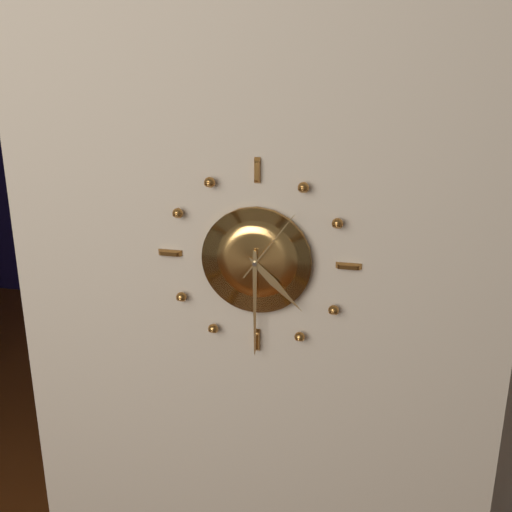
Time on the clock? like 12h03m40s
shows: 4h30m06s
